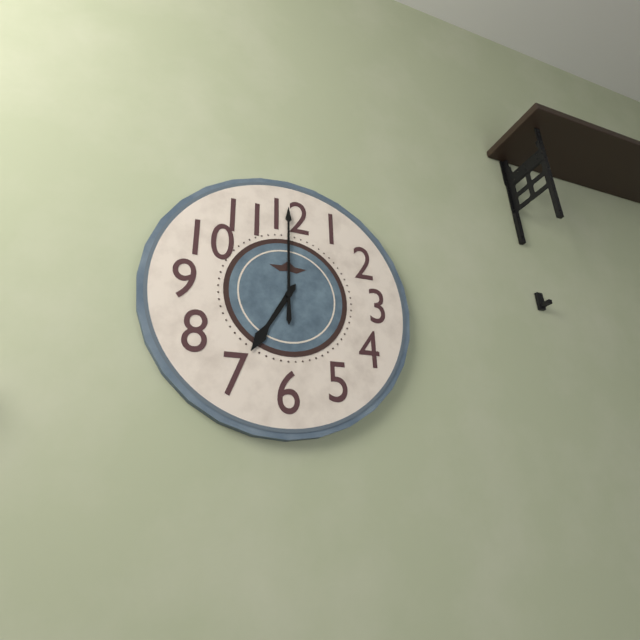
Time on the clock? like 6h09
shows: 7h00
